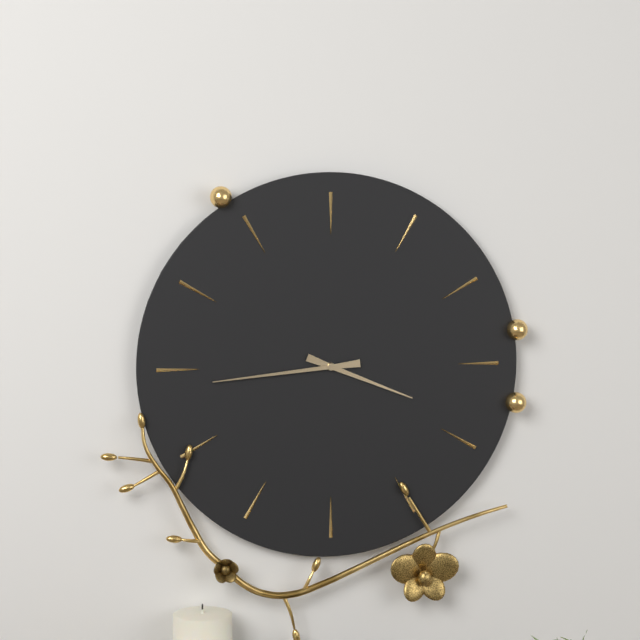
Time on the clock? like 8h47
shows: 3h44
